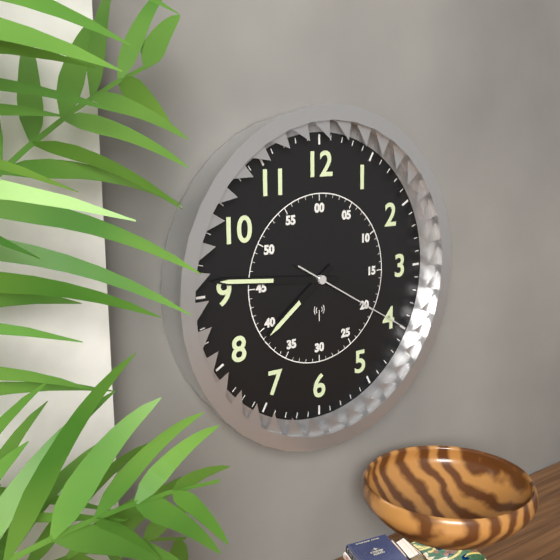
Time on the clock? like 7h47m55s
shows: 7h46m20s
